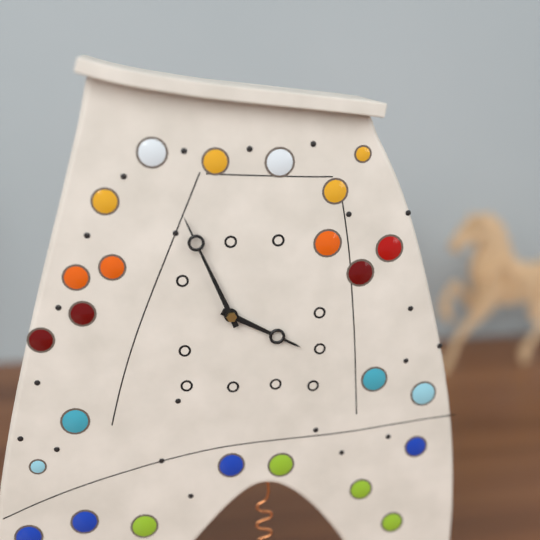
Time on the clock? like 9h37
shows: 3h56
